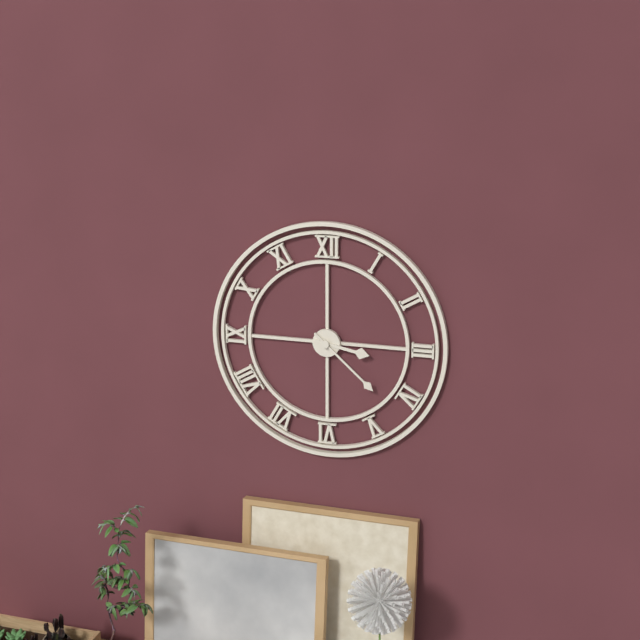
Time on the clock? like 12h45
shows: 3h22
